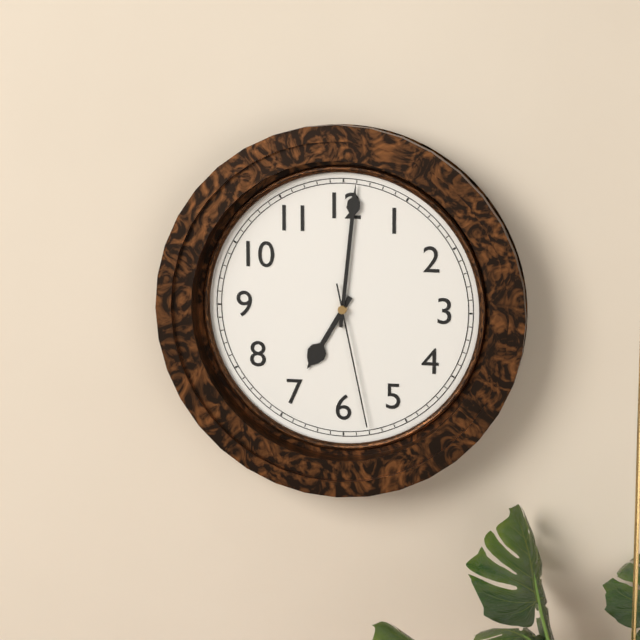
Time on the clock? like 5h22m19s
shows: 7h01m28s
